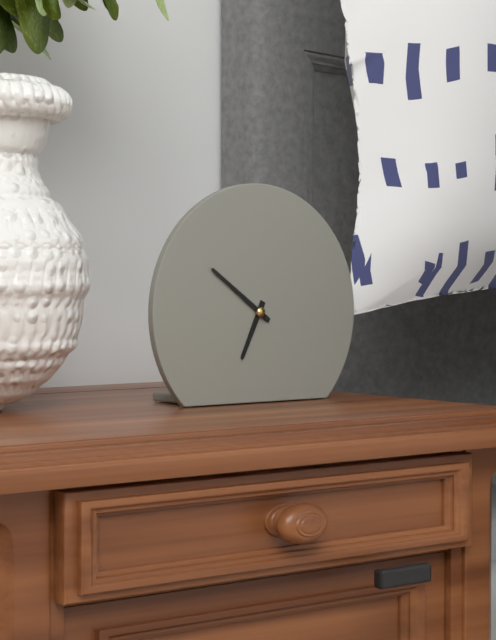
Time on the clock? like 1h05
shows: 6h51
